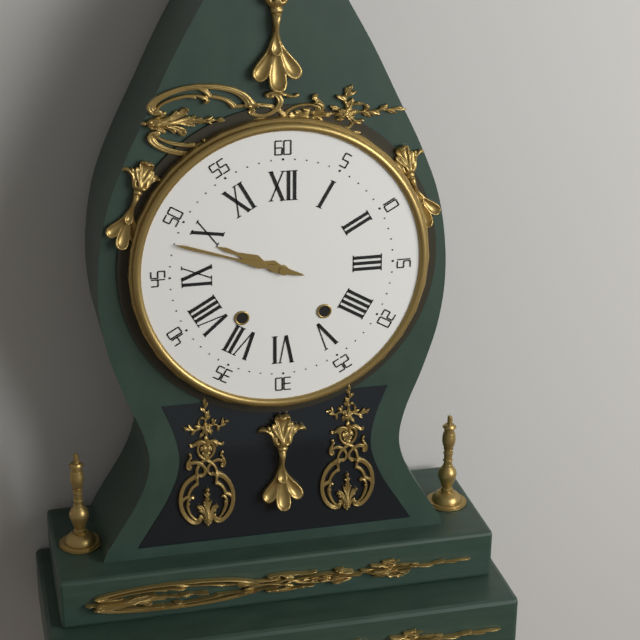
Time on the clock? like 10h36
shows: 9h48
